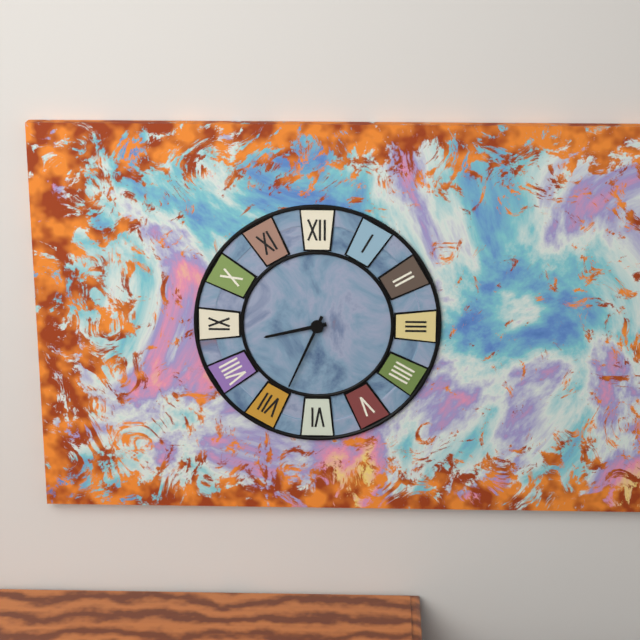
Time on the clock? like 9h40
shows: 8h34
